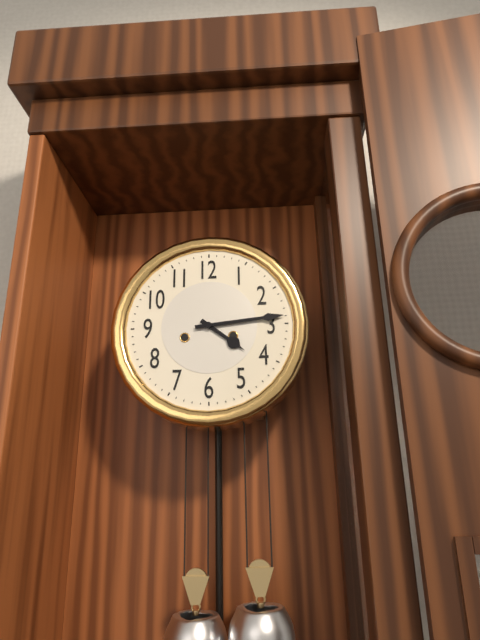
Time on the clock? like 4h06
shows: 4h14
